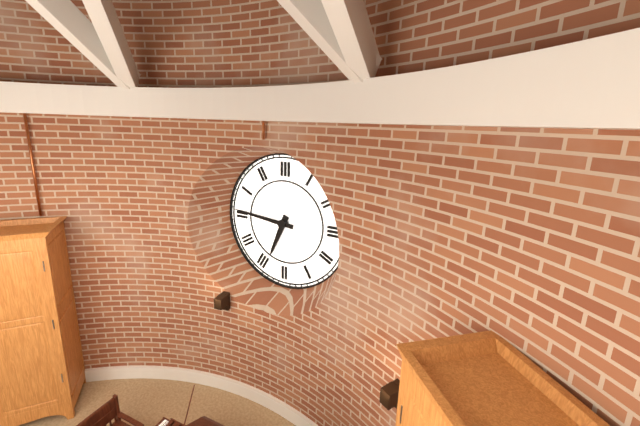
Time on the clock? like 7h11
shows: 6h46
